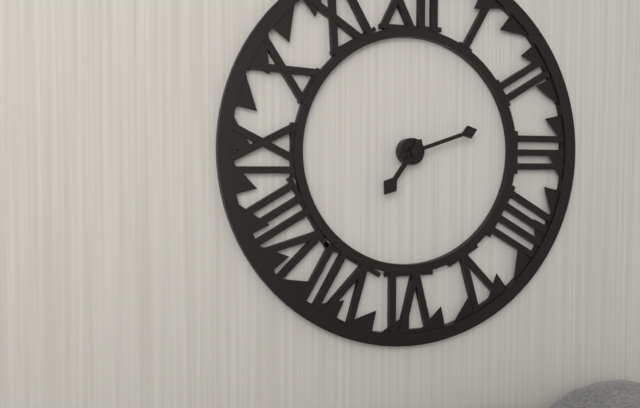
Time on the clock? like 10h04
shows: 7h12
